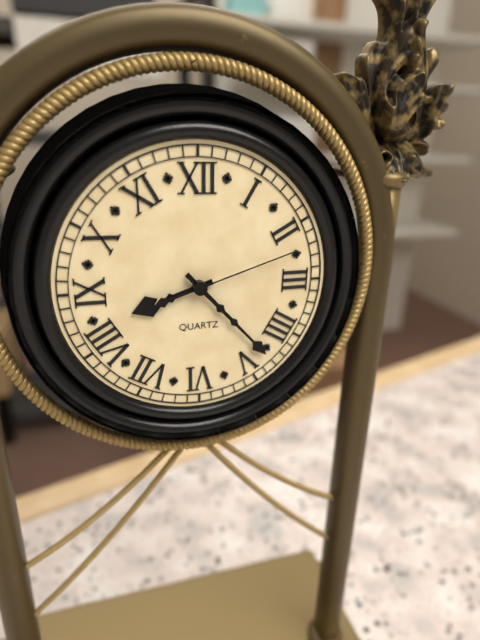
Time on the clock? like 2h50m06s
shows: 8h23m12s
